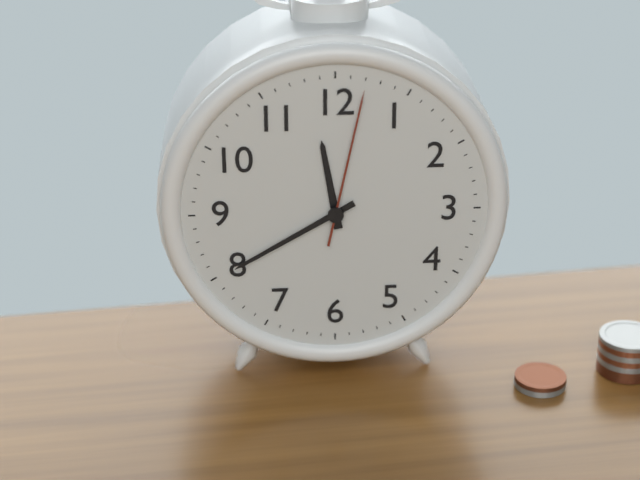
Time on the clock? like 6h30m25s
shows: 11h40m02s
